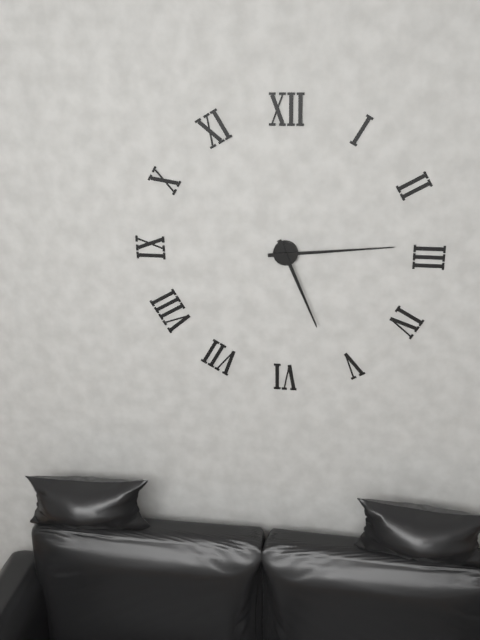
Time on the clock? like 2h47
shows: 5h14
